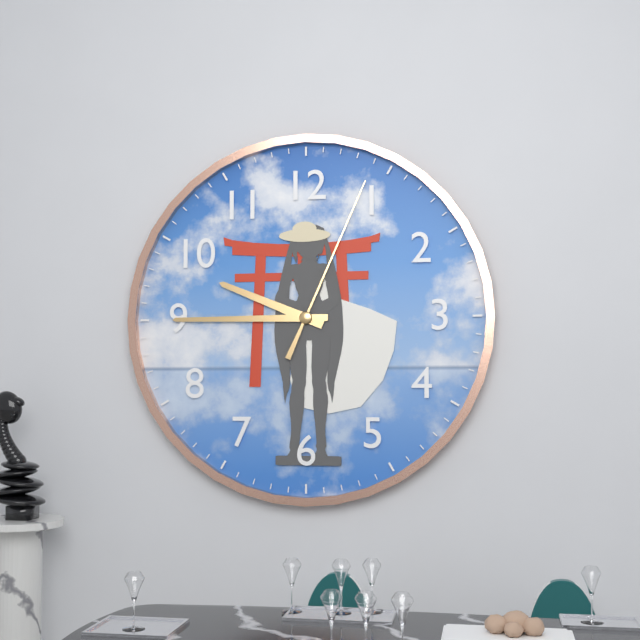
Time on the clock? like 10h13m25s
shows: 9h45m04s
